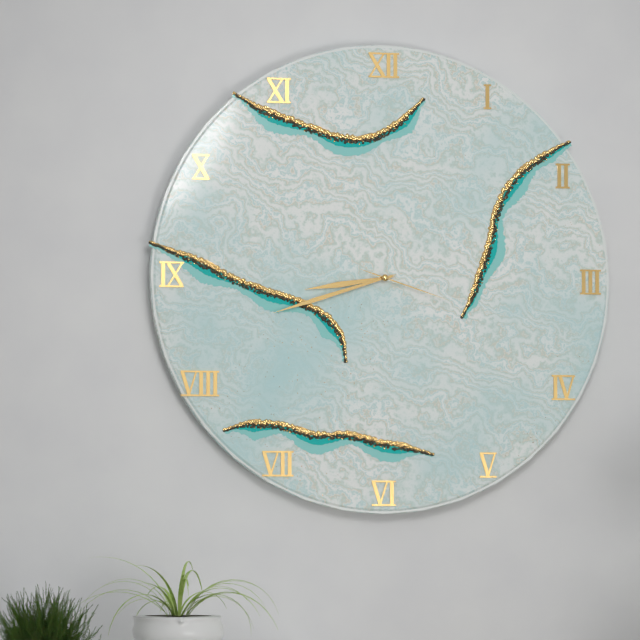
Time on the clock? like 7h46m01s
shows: 8h42m18s
